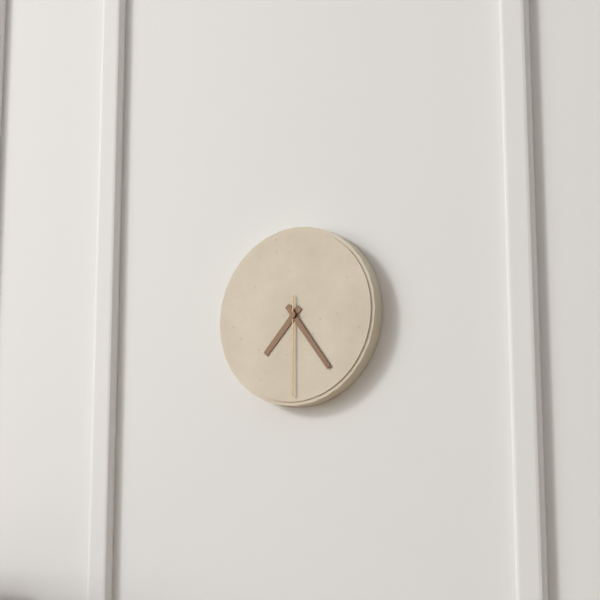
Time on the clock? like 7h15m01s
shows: 7h24m30s
